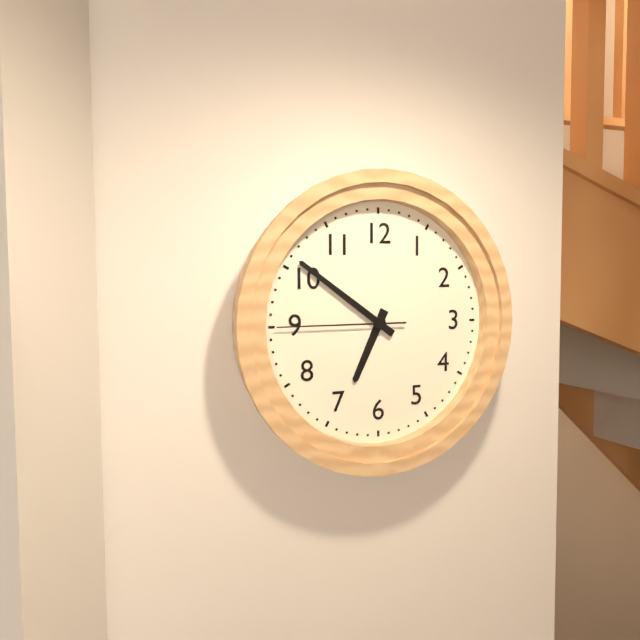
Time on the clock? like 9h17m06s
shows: 6h51m45s
